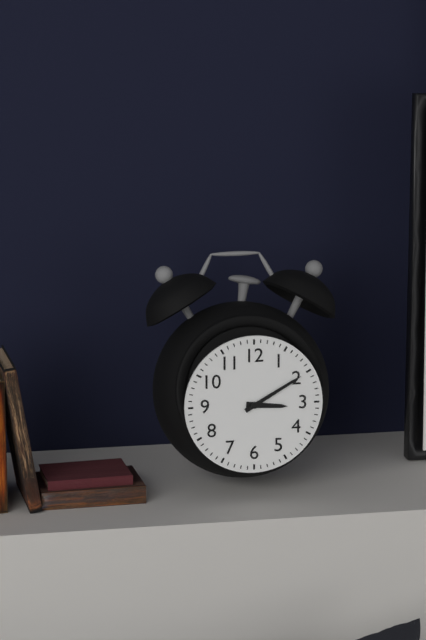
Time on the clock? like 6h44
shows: 3h10
